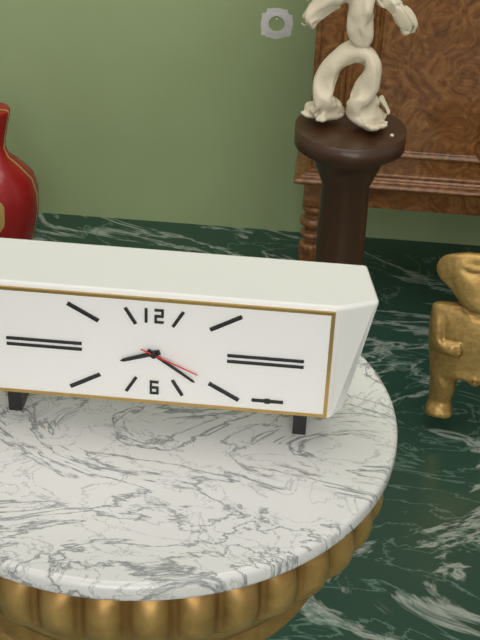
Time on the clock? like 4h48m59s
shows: 8h21m19s
